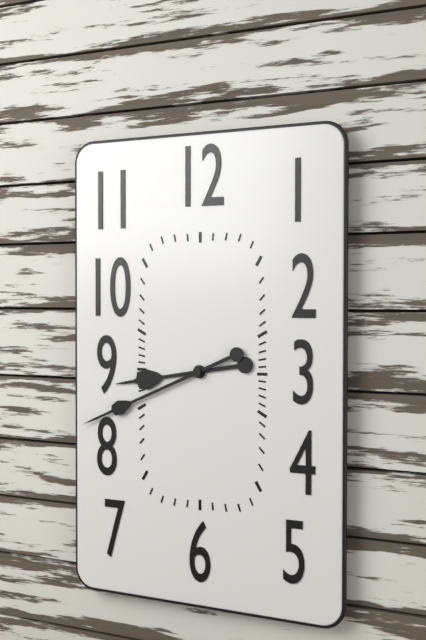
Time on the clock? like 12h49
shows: 8h41
